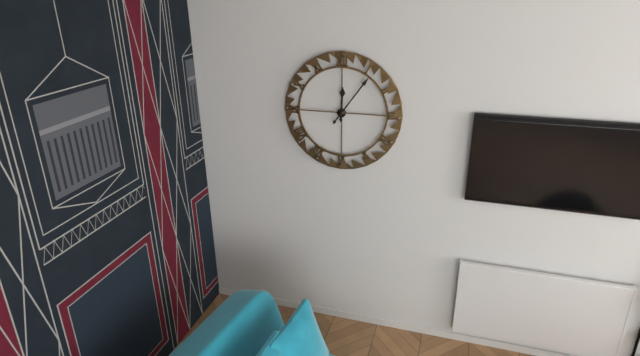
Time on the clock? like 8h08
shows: 12h06
